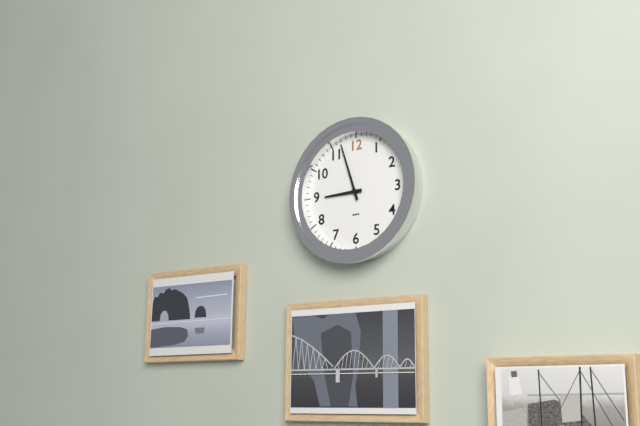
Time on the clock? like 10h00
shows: 8h57
